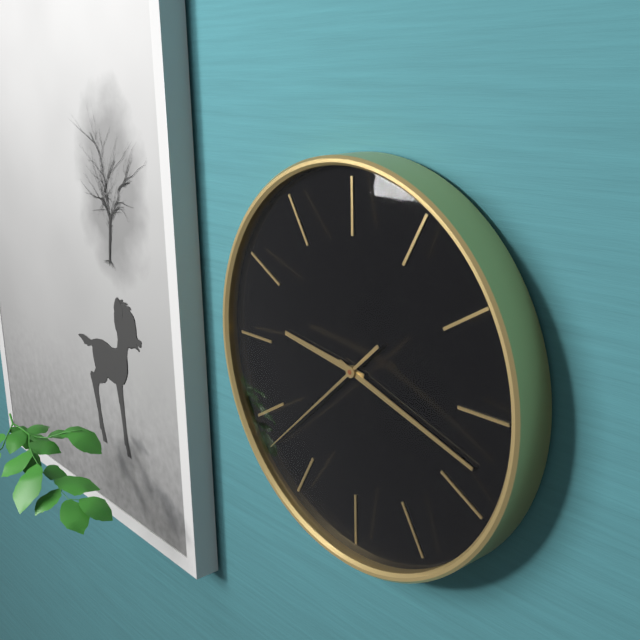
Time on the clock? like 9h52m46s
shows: 9h18m38s
